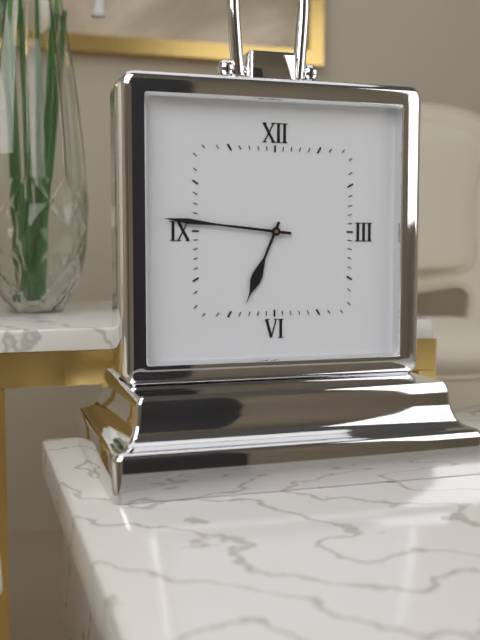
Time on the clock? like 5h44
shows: 6h46
